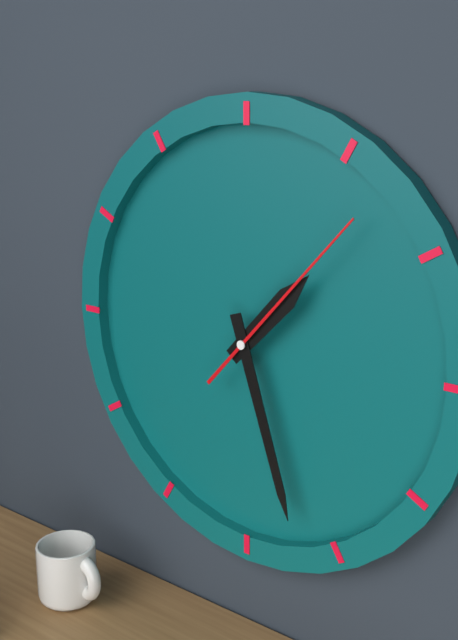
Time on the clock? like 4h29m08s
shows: 1h27m07s
